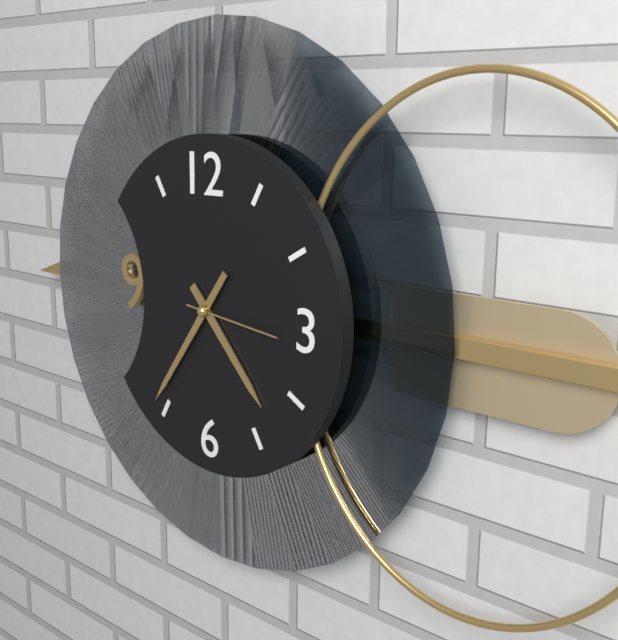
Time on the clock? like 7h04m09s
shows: 4h36m16s
